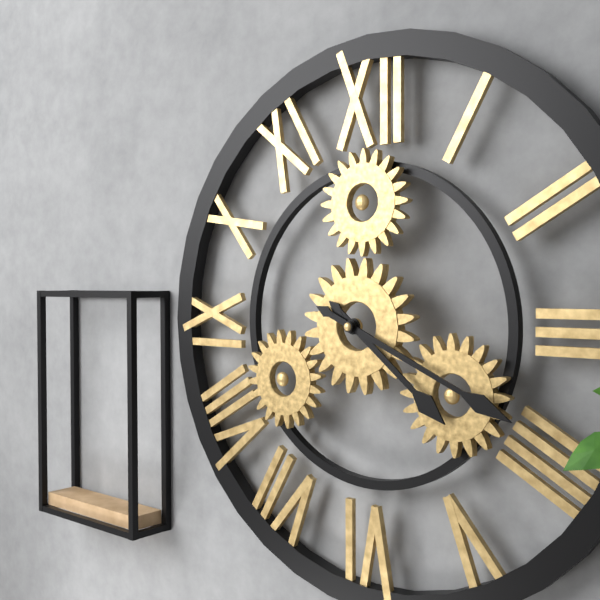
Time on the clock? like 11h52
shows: 4h19
